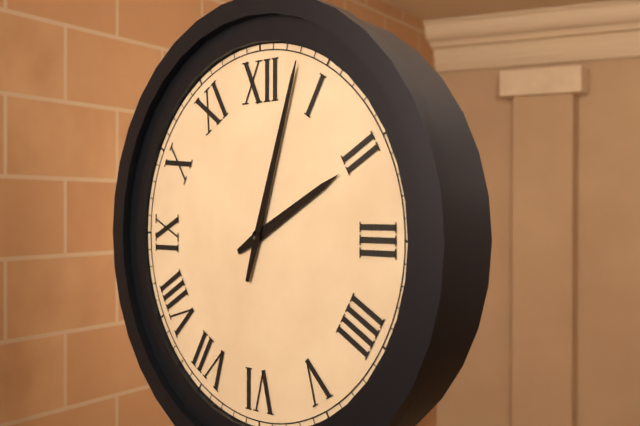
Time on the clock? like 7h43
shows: 2h03
